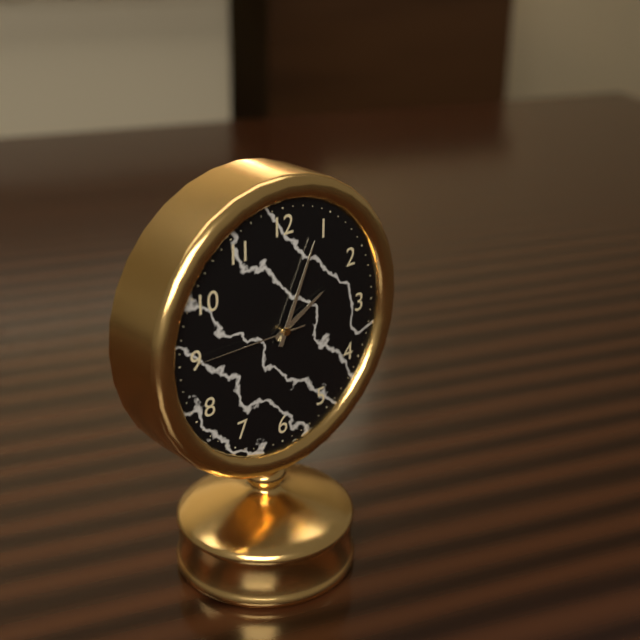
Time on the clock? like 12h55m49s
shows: 2h04m45s
